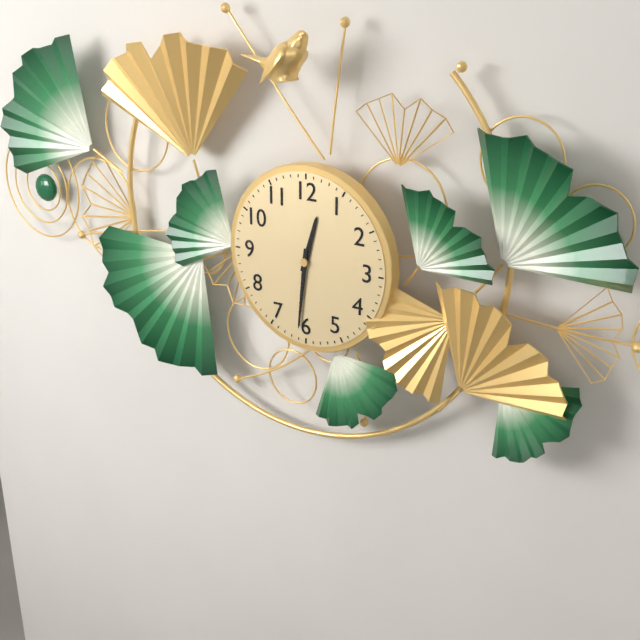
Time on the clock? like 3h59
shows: 12h31
